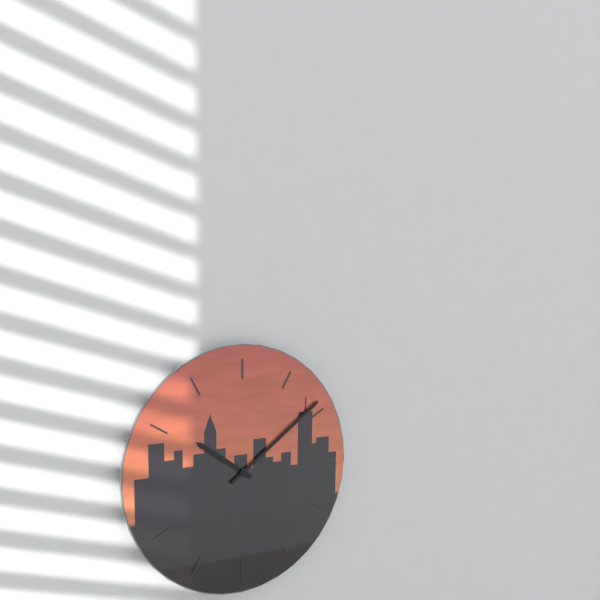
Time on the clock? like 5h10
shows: 10h09
